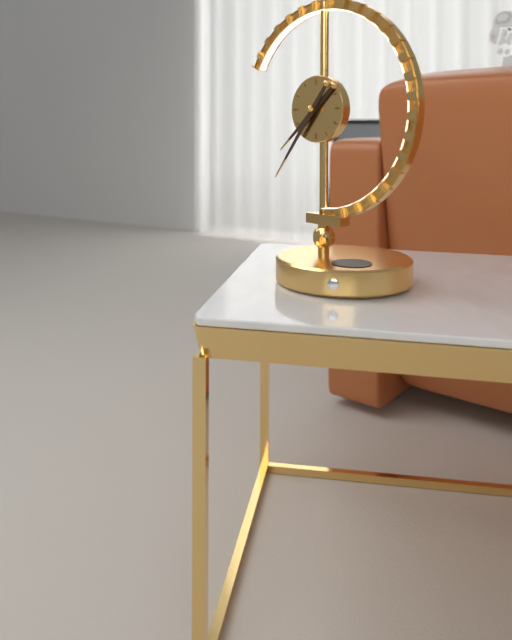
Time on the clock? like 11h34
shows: 7h36
